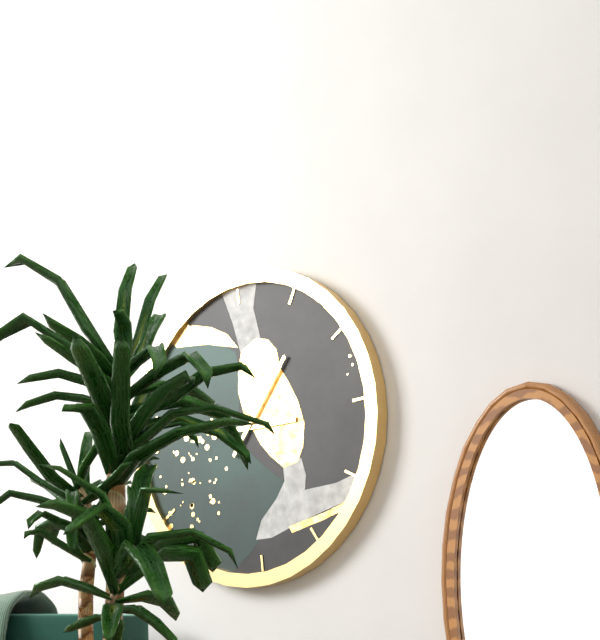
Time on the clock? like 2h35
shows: 3h07
